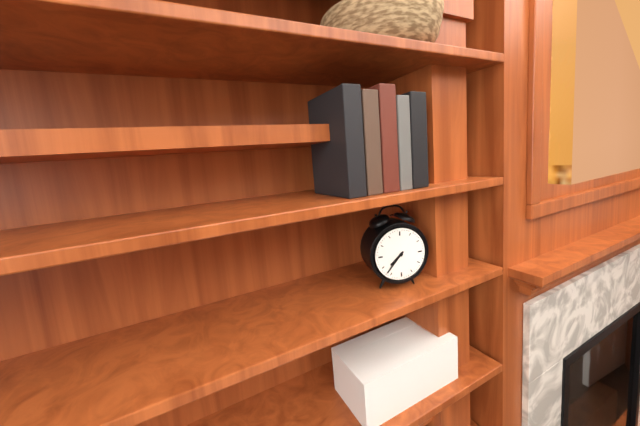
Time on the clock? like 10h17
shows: 7h37
